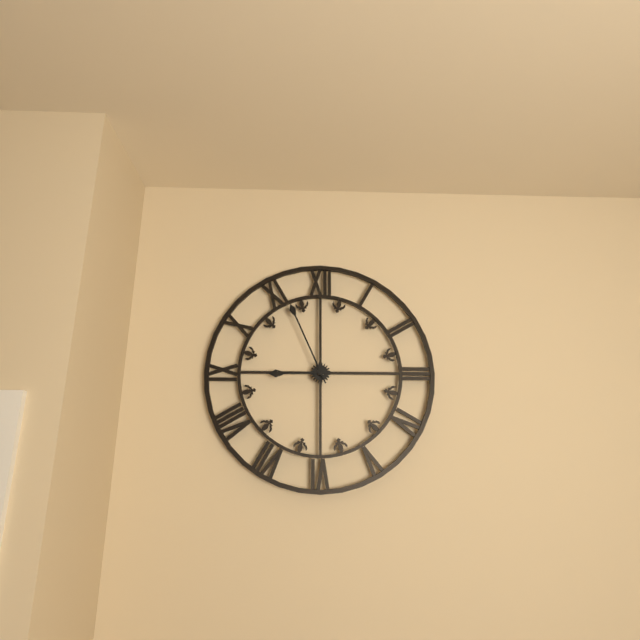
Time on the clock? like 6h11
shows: 8h56
